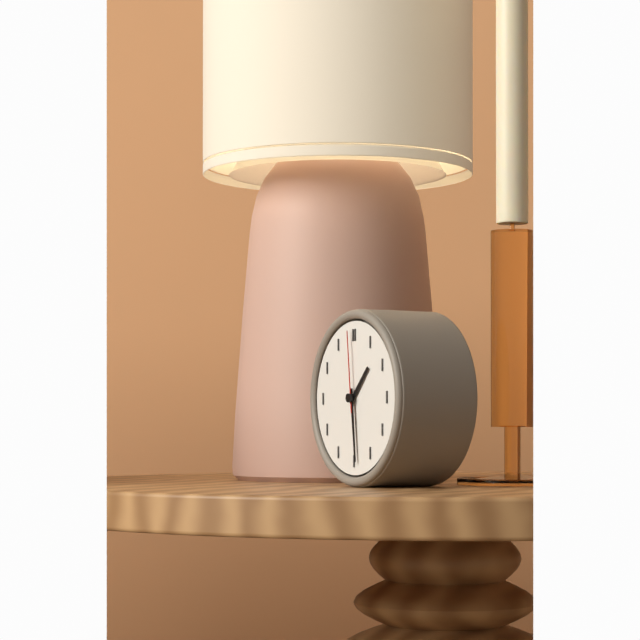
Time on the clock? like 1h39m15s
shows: 1h29m59s
